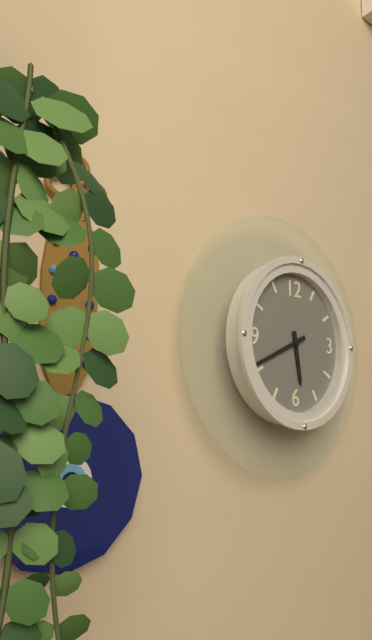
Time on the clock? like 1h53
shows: 5h41
